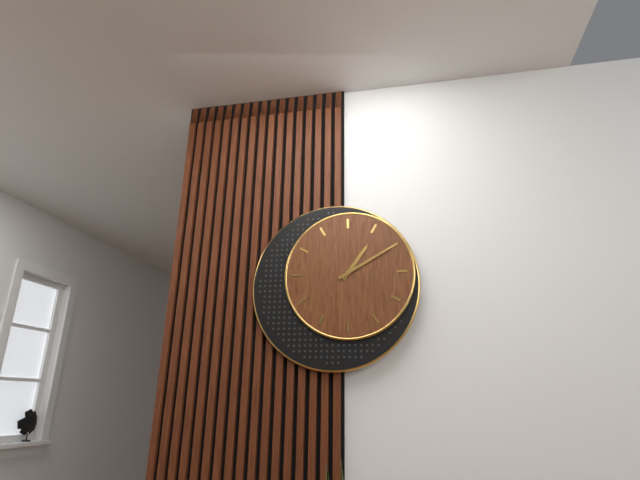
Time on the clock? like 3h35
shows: 1h10
